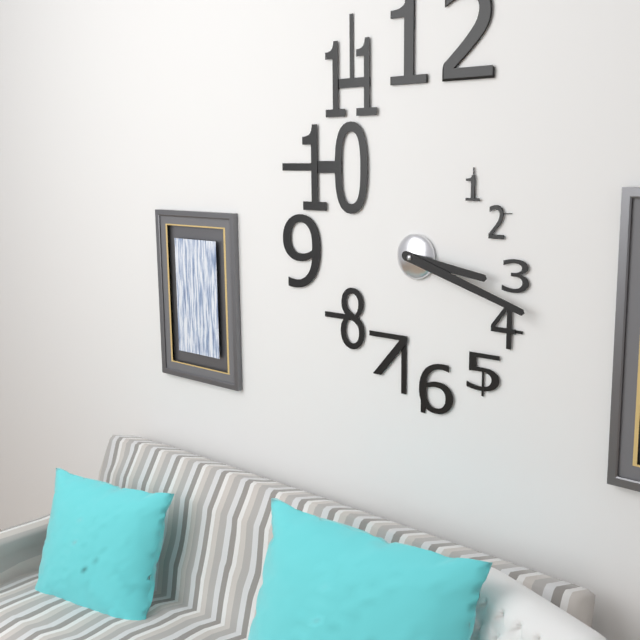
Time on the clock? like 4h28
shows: 3h18
